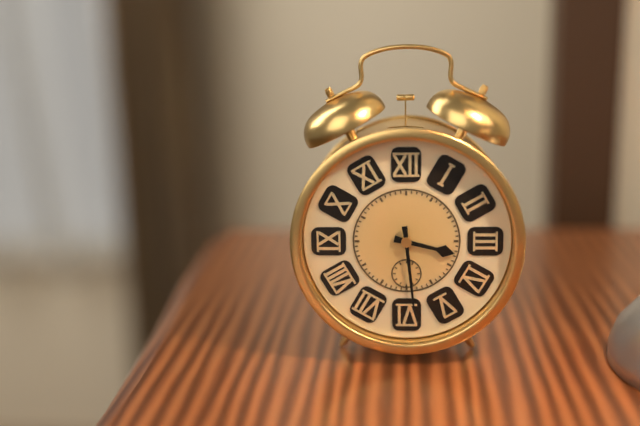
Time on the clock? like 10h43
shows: 3h29
